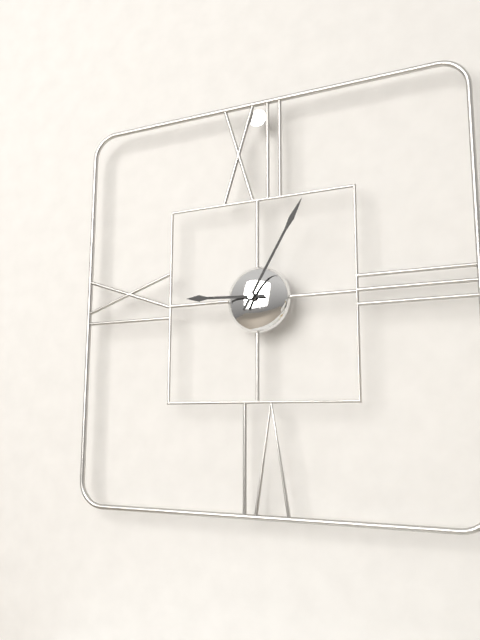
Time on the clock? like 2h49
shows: 9h05
